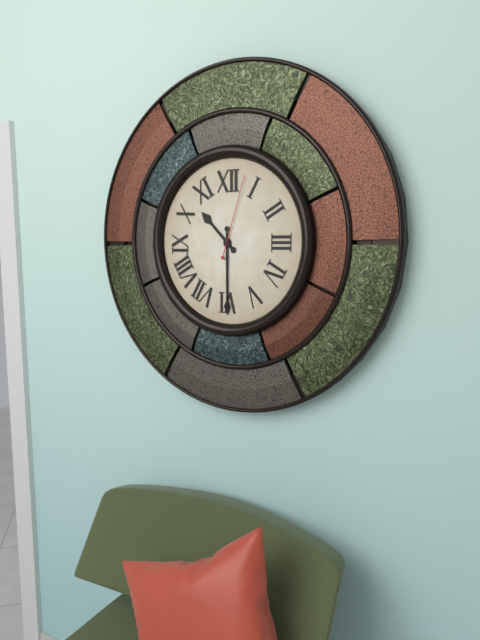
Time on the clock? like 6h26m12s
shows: 10h30m03s
